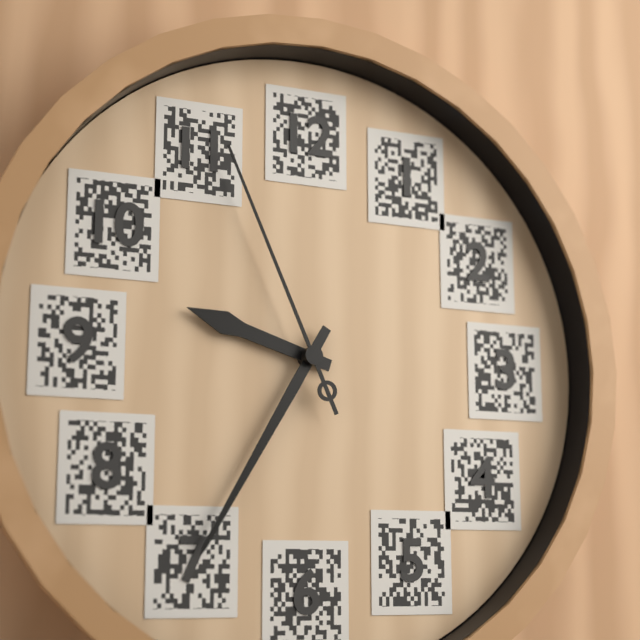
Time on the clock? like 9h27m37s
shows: 9h35m56s
